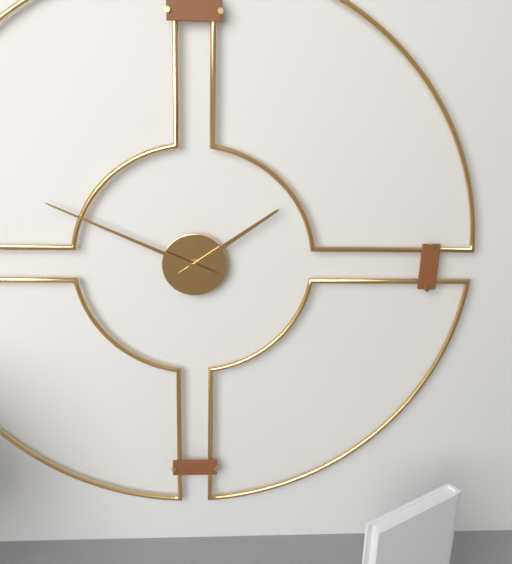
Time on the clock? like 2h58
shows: 1h49
